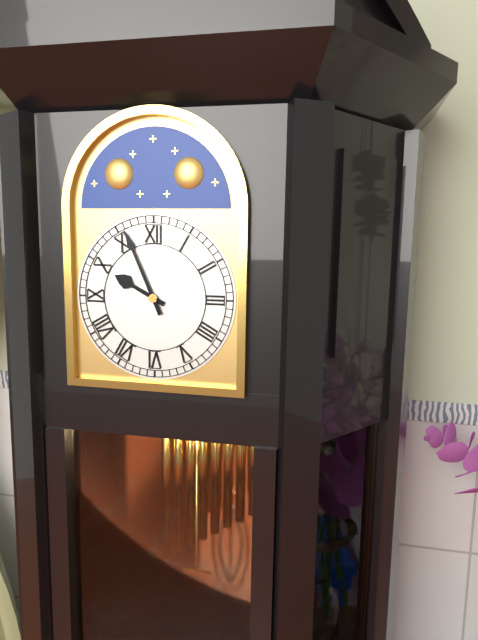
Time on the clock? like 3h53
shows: 9h56
